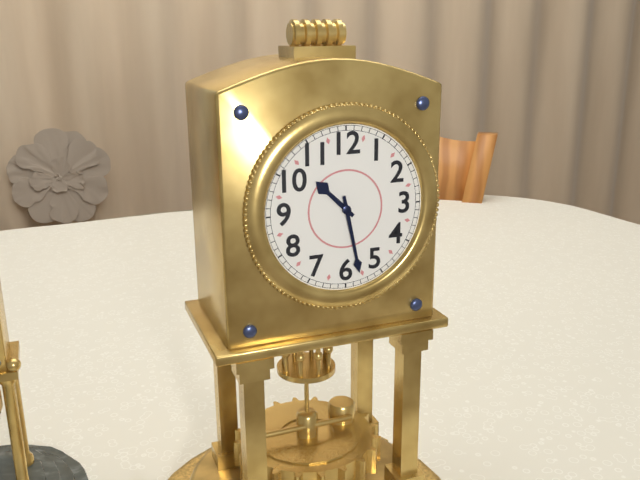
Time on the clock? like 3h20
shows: 10h28
